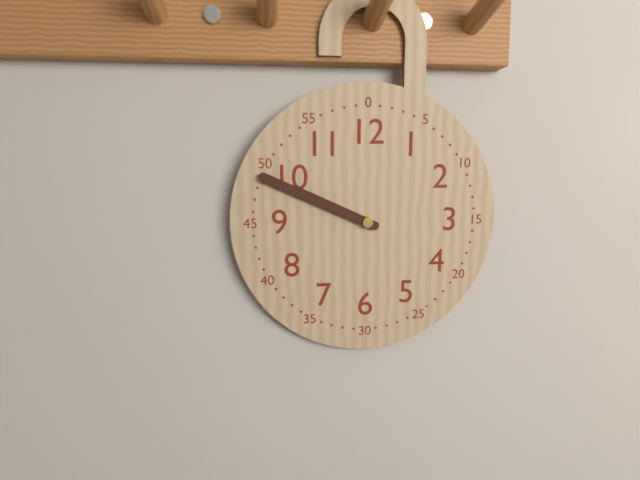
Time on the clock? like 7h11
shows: 9h49
